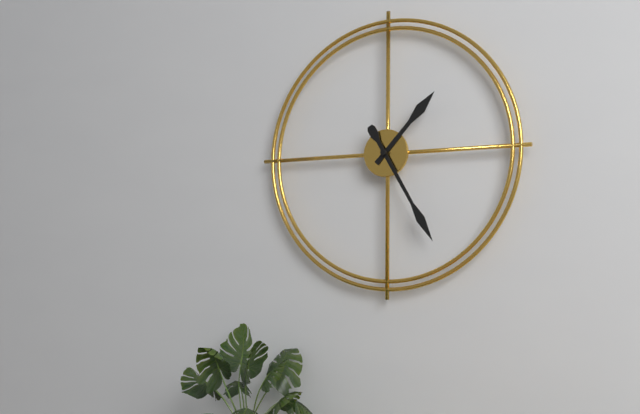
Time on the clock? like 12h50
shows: 1h25
